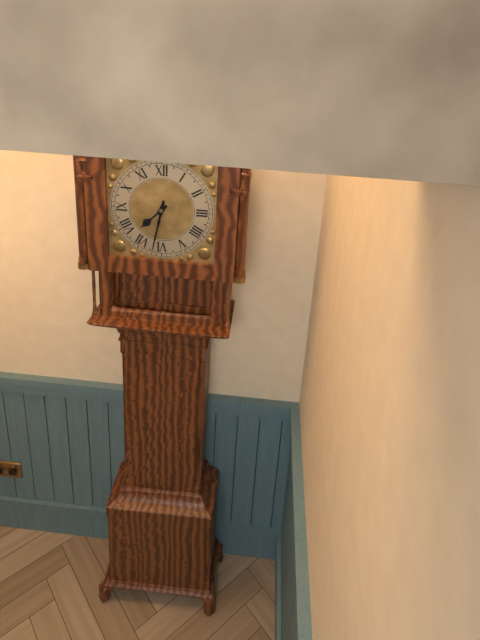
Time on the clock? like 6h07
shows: 7h32
